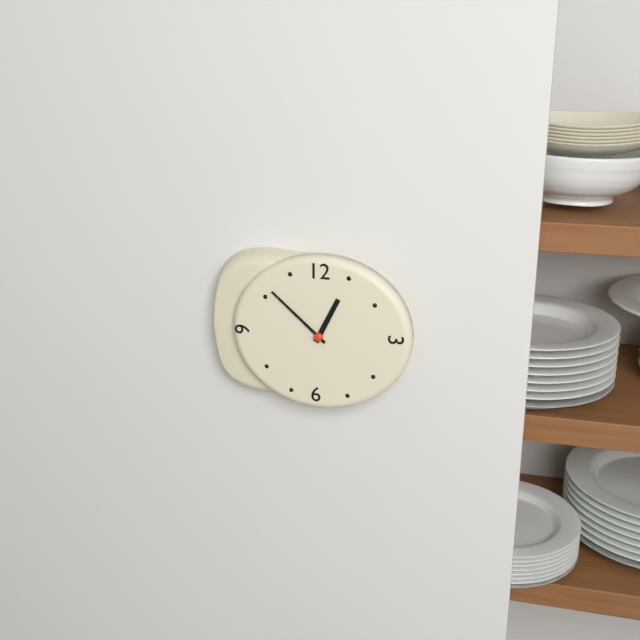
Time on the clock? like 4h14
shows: 12h52
